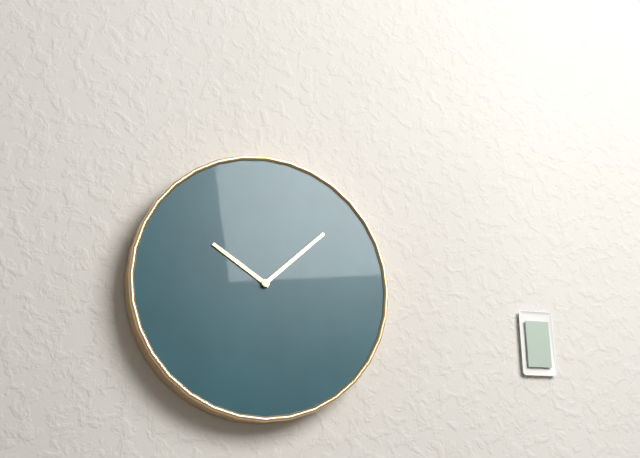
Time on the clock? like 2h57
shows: 10h08
